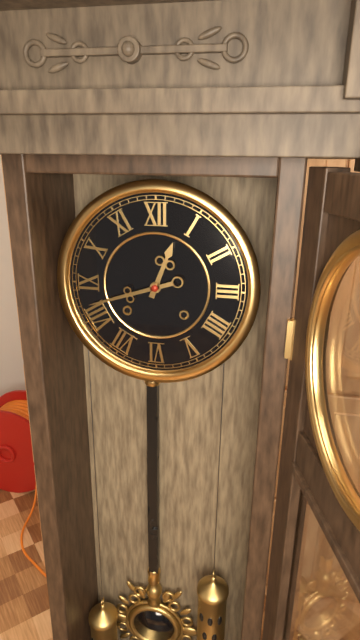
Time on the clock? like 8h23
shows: 12h42
